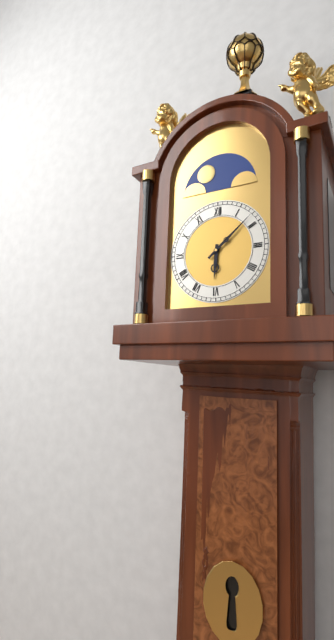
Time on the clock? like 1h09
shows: 6h08
